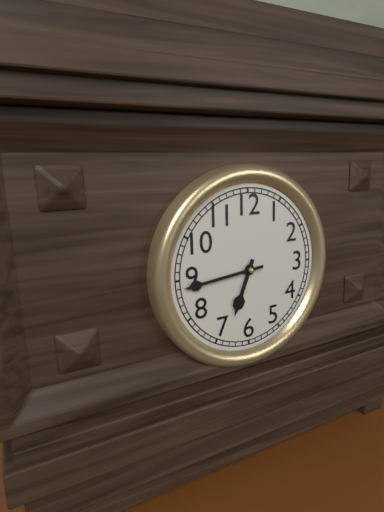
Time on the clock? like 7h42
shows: 6h44
